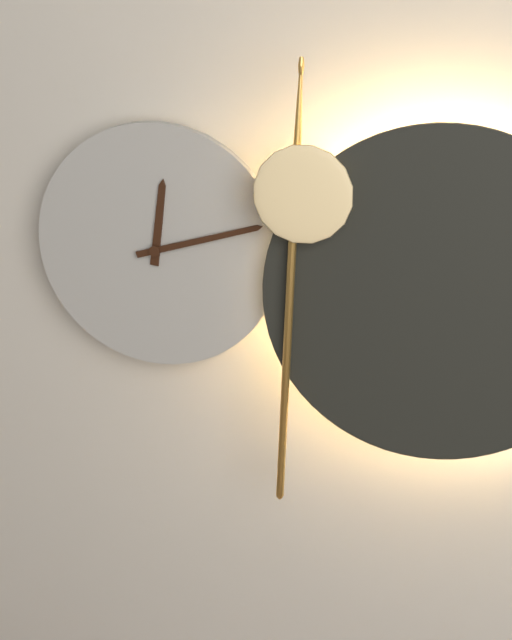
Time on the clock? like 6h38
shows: 12h12
